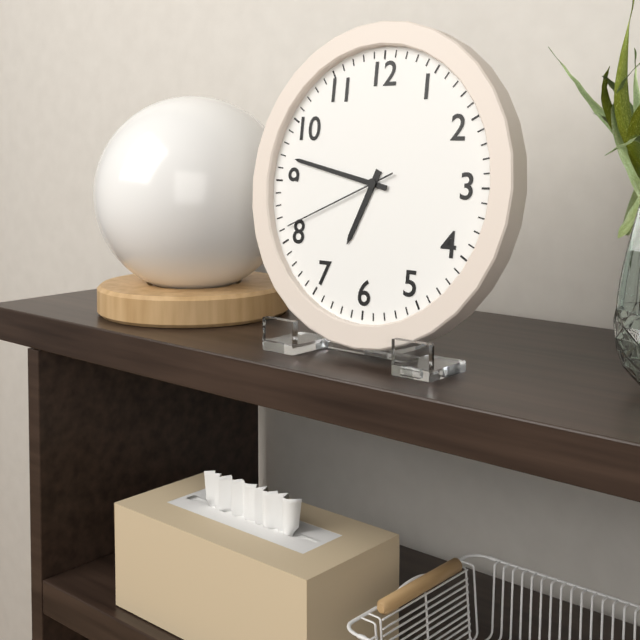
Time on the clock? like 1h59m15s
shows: 6h47m41s
